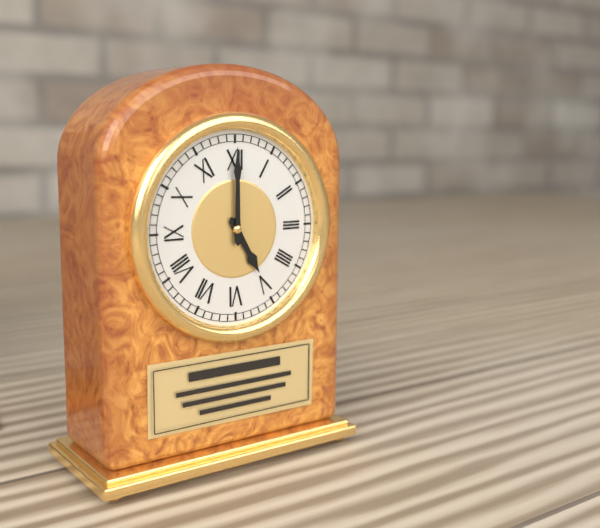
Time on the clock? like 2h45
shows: 5h00
